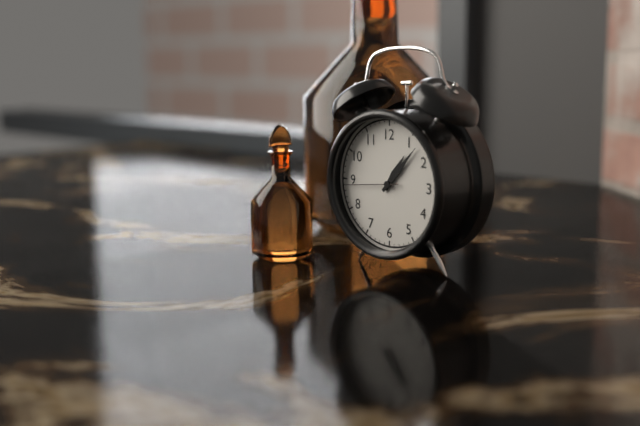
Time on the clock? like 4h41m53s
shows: 1h07m44s
